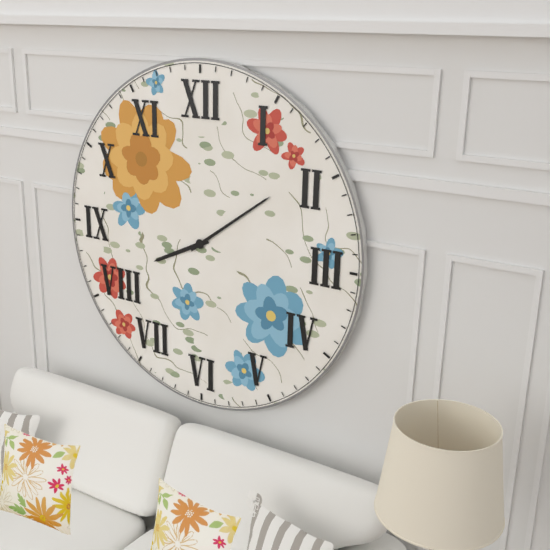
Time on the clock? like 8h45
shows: 8h09
